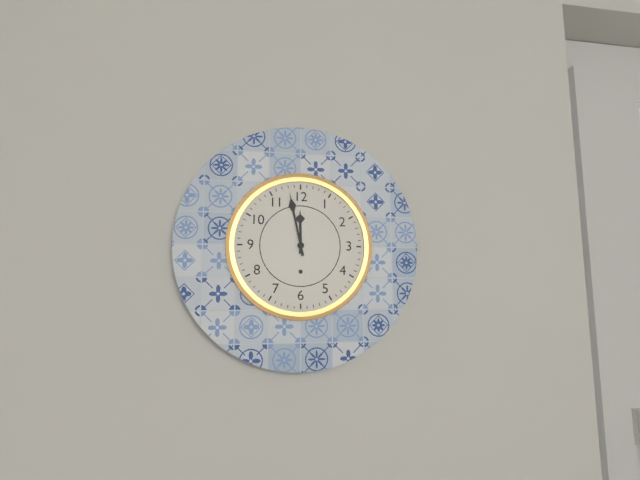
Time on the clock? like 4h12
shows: 11h58
